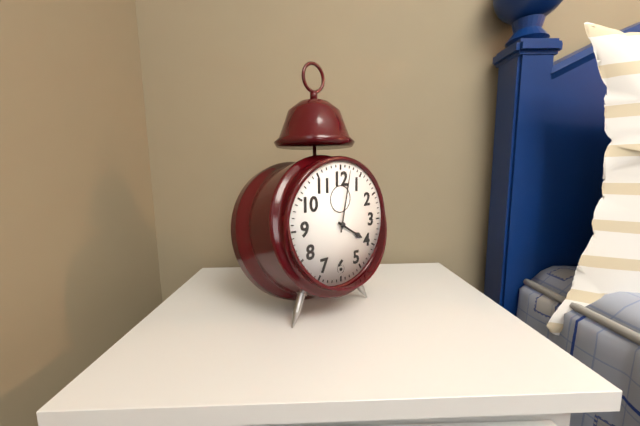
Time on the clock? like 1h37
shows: 4h02
